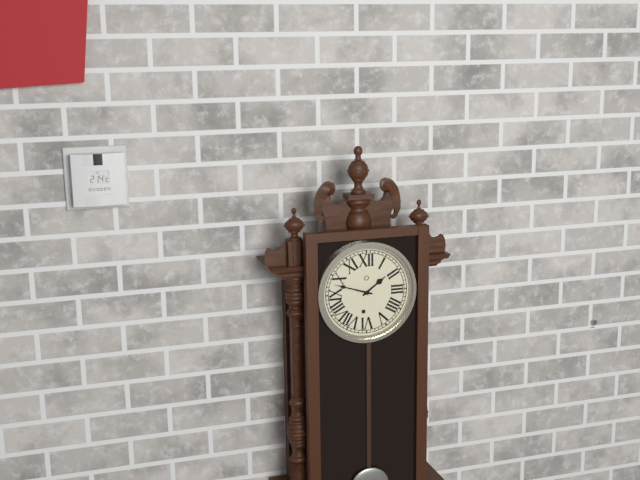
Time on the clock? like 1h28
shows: 1h48
